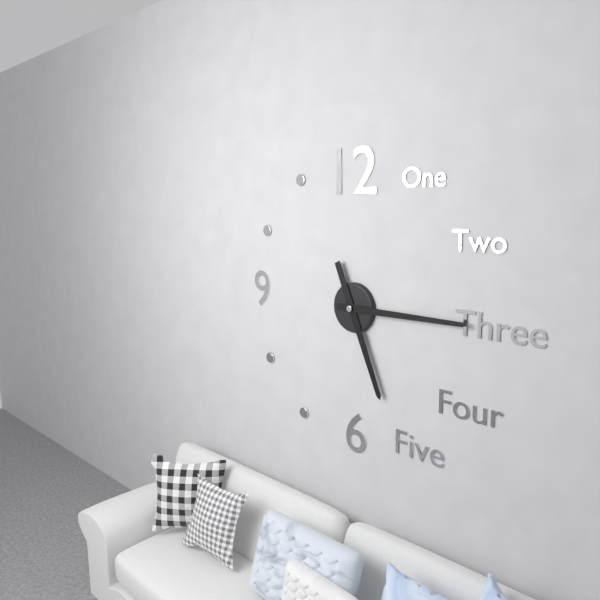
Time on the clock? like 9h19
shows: 5h15
